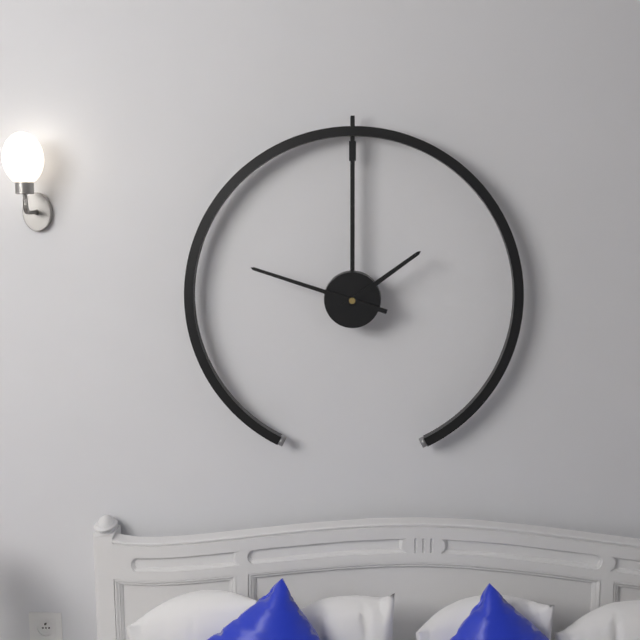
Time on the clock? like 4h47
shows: 1h48
